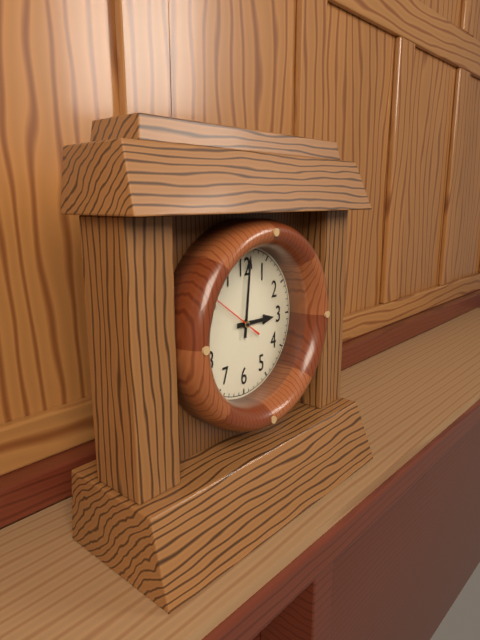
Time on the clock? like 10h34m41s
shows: 3h01m51s
